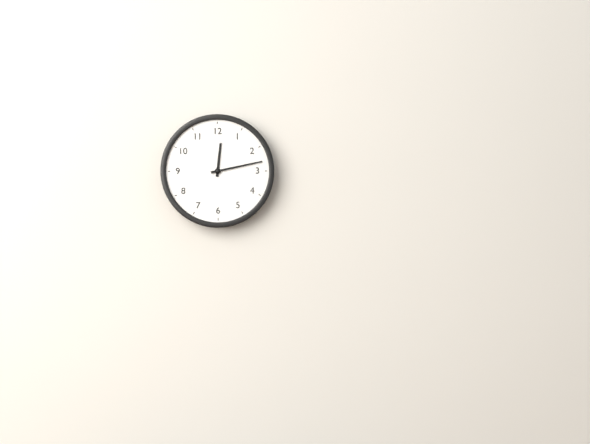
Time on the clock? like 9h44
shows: 12h13
